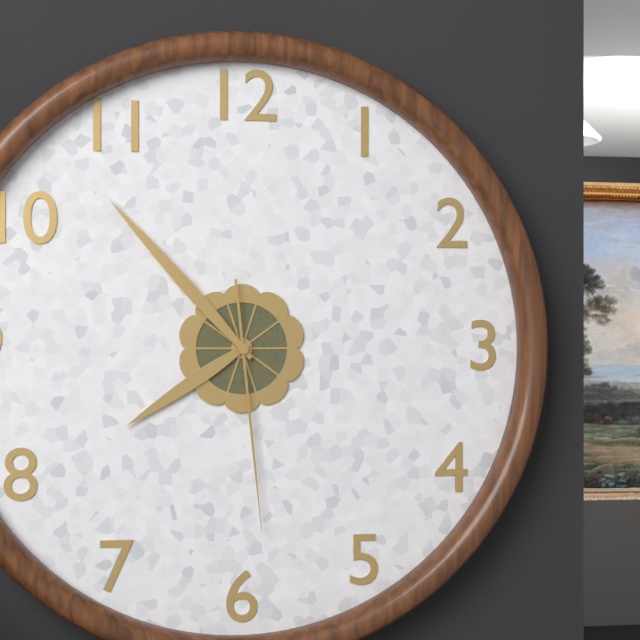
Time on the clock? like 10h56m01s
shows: 7h53m29s
